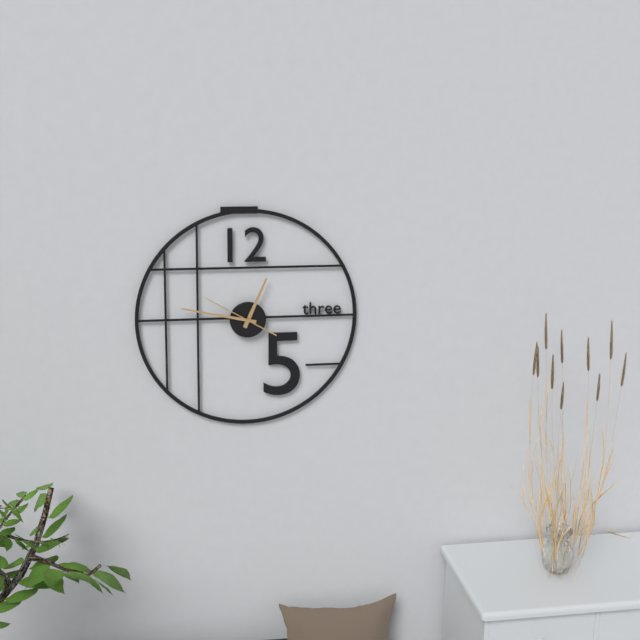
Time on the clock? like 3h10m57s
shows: 12h47m50s
